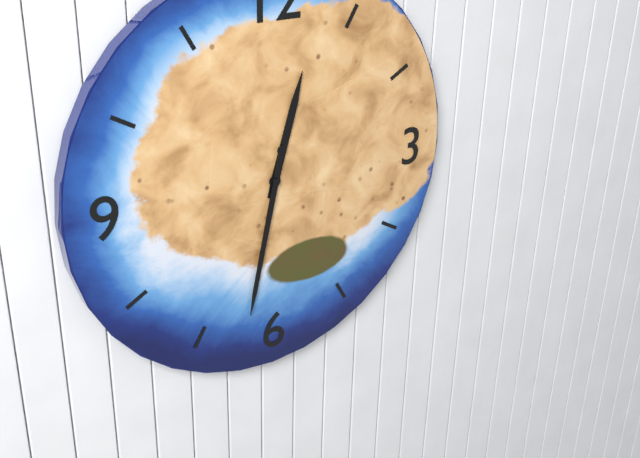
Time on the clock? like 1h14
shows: 12h32
